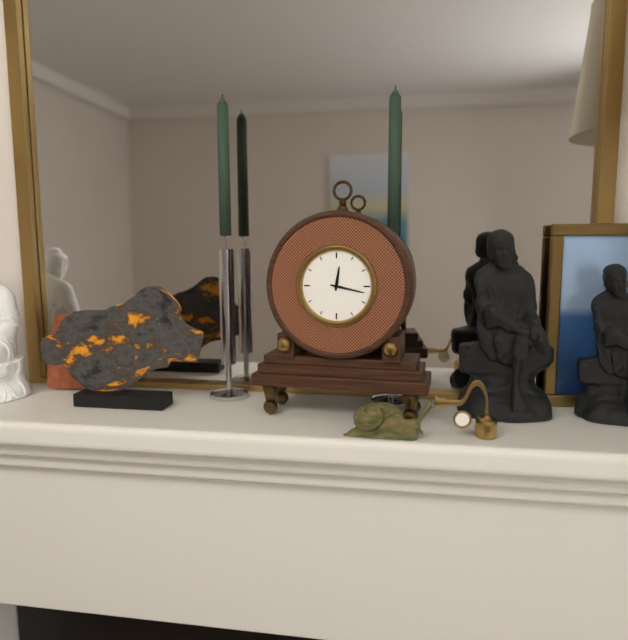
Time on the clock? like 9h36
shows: 12h17
